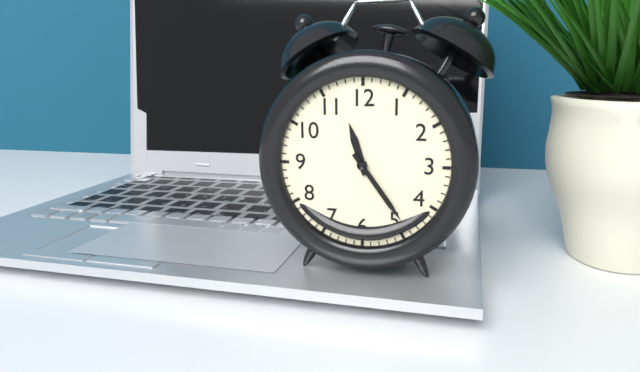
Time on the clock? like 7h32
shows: 11h24
